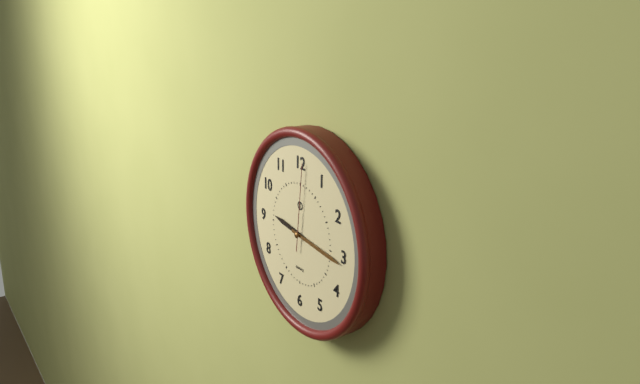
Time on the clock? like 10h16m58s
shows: 9h16m01s
